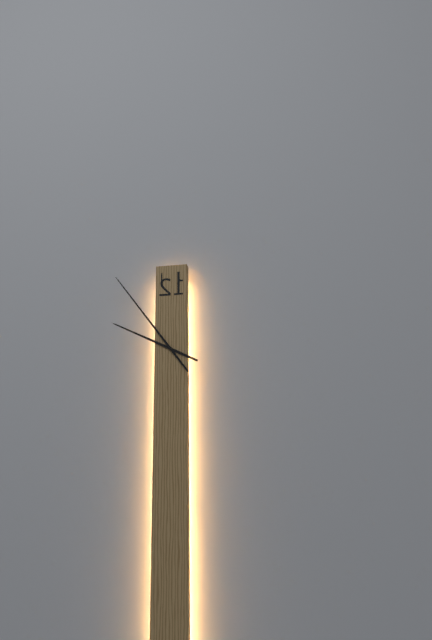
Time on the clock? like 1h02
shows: 9h54
